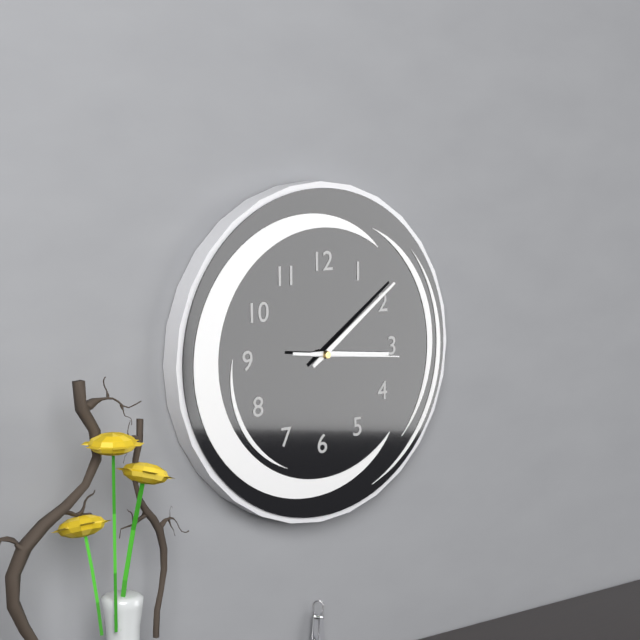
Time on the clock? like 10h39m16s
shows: 3h09m16s
